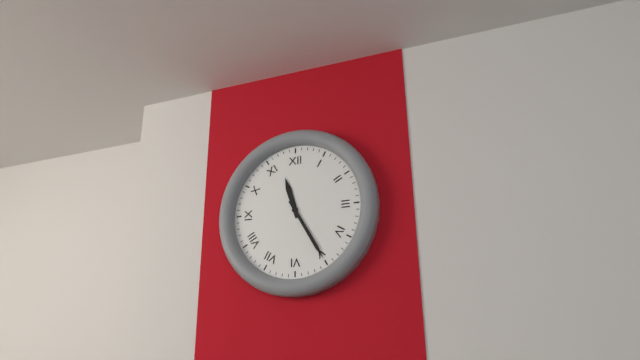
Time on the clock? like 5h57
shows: 11h25
